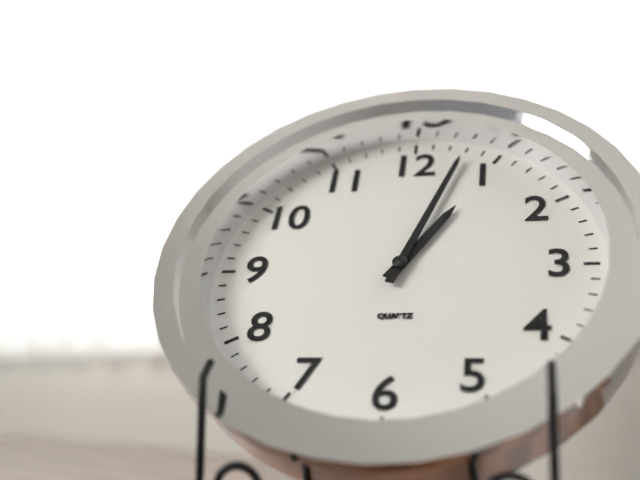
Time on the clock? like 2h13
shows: 1h03
